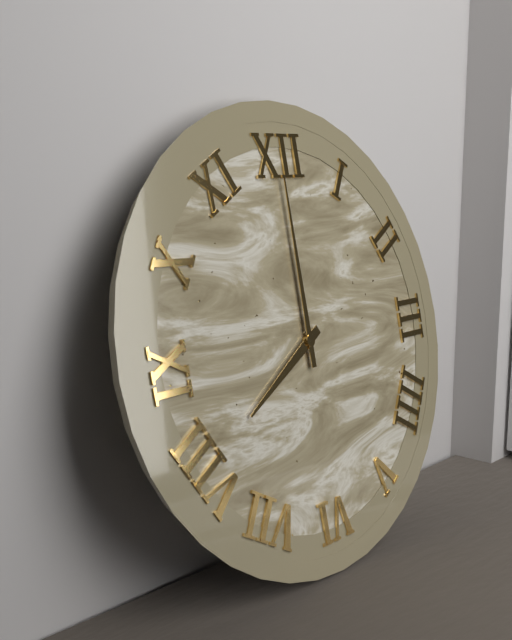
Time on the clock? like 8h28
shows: 8h00
